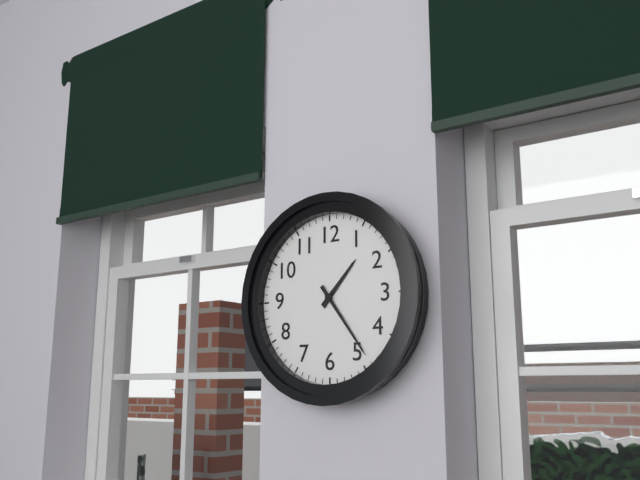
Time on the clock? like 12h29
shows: 1h24
